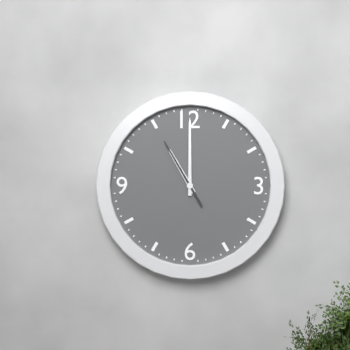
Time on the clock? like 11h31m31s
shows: 11h00m55s
